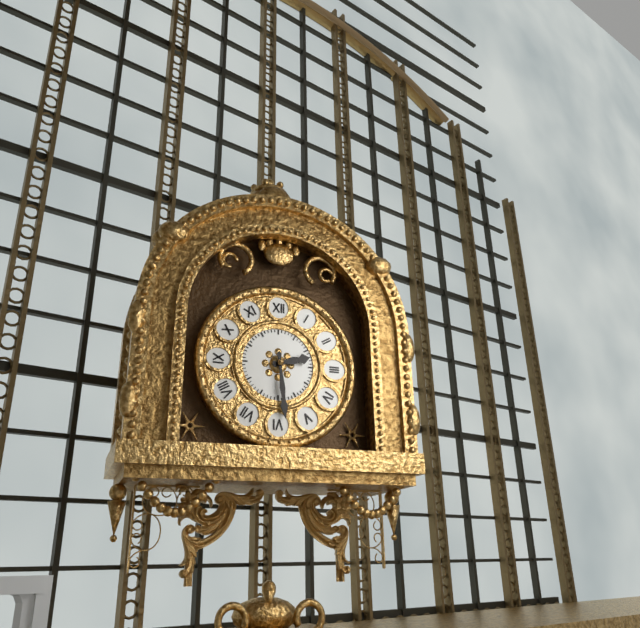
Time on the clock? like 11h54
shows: 2h29
